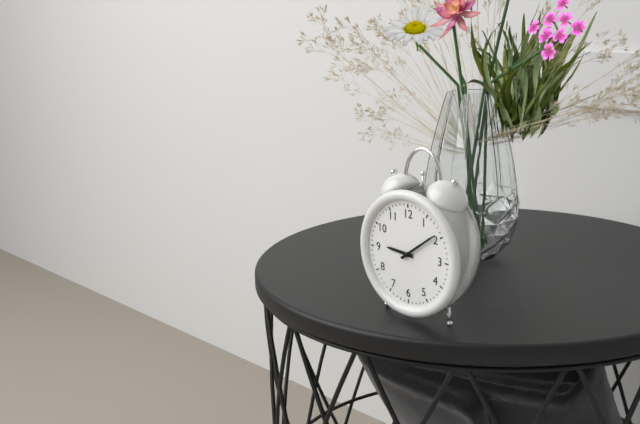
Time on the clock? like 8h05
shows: 9h09
